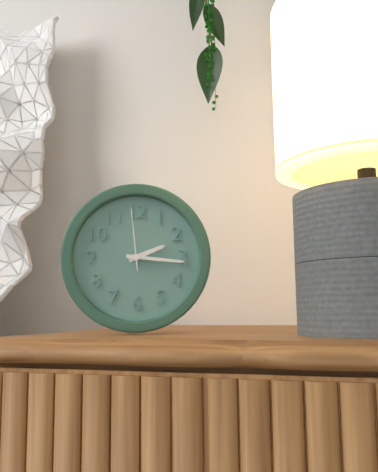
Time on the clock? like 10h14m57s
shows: 2h16m59s
